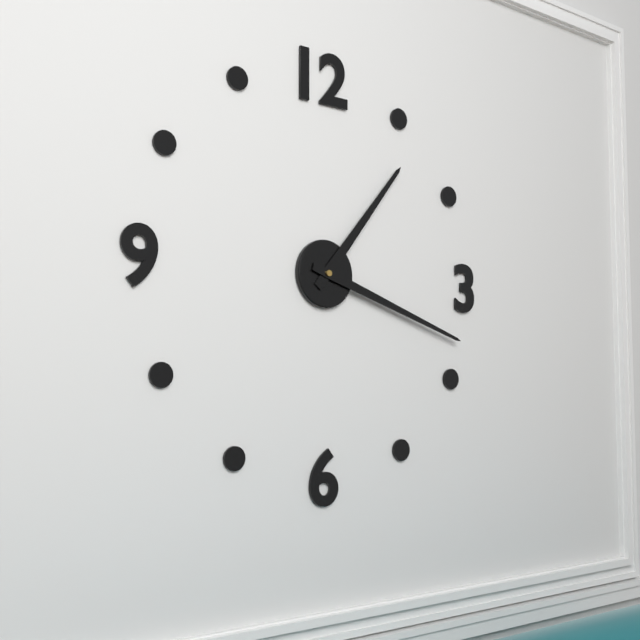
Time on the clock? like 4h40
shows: 1h18
